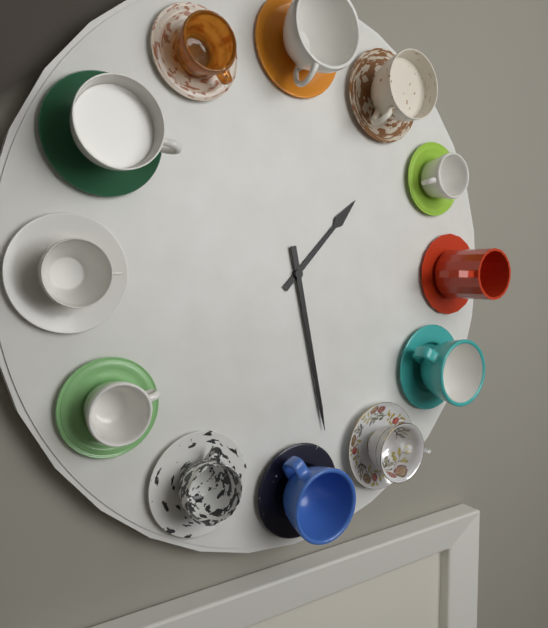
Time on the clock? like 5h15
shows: 1h28
